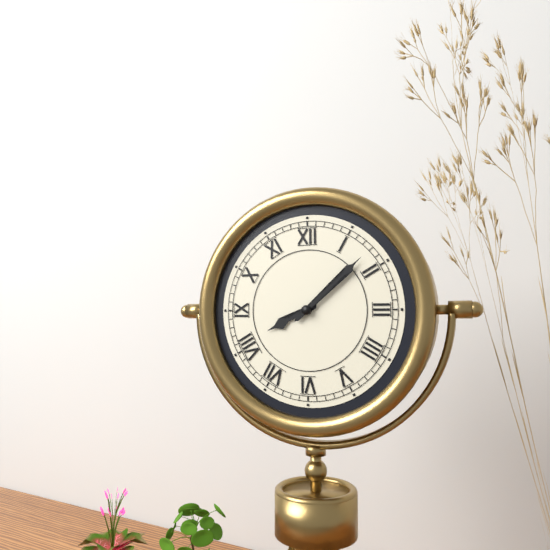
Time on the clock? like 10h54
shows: 8h08
